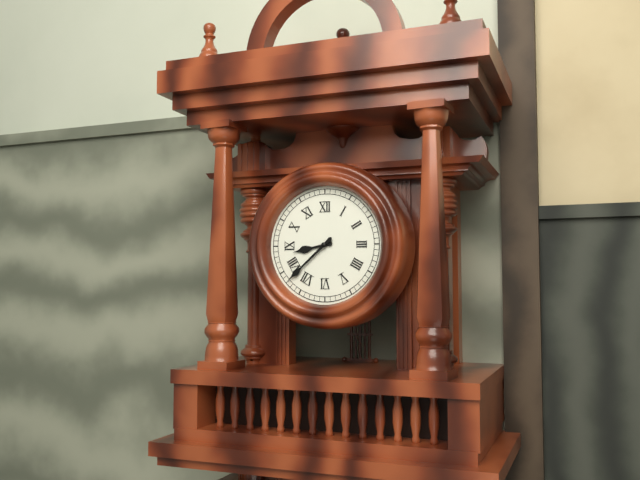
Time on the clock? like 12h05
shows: 8h38
